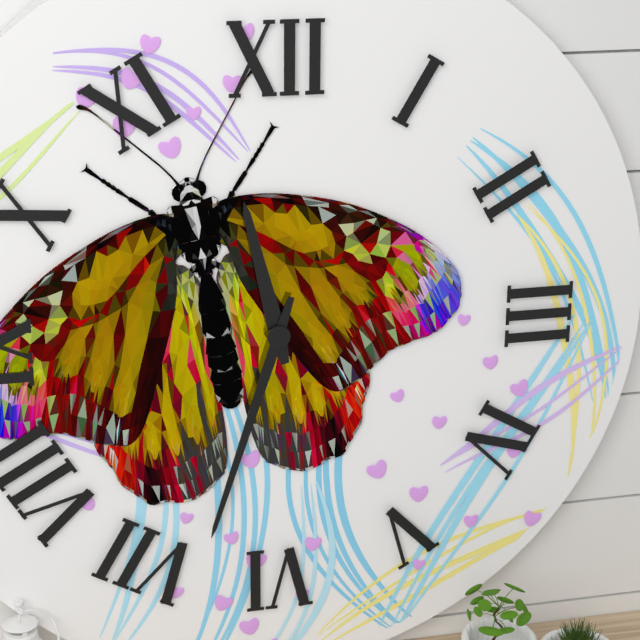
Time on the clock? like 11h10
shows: 11h33
